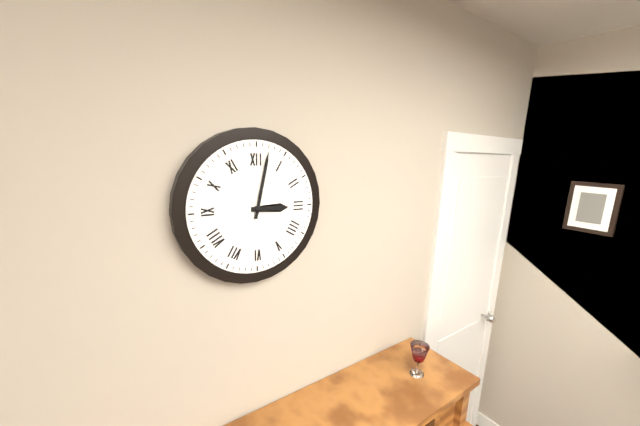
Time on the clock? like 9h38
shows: 3h02
